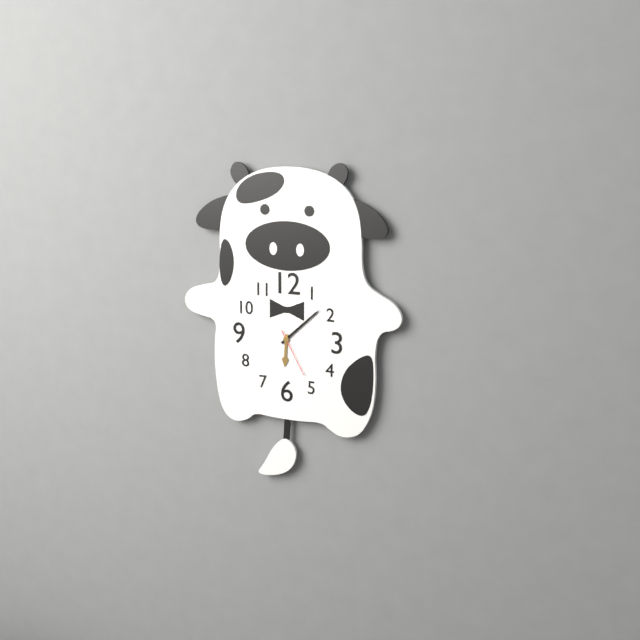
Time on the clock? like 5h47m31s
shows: 6h08m25s
